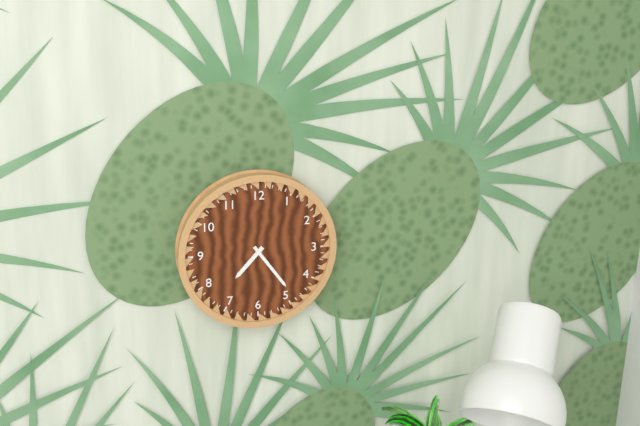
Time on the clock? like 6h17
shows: 7h24
